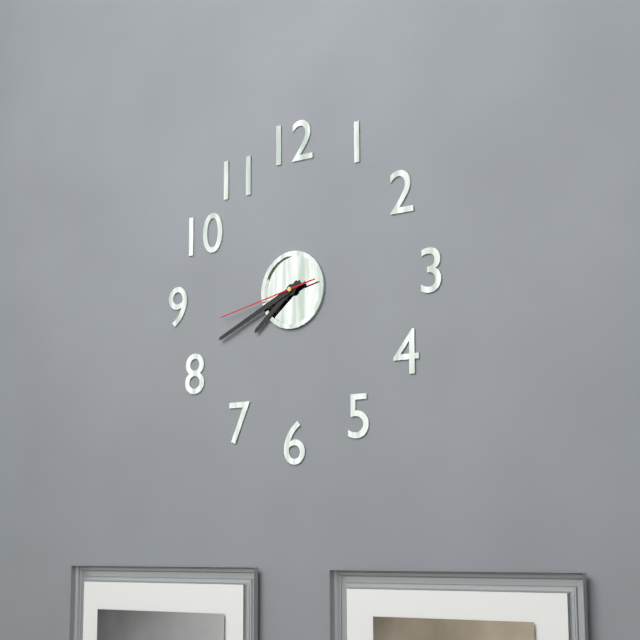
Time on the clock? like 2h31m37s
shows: 7h41m43s
